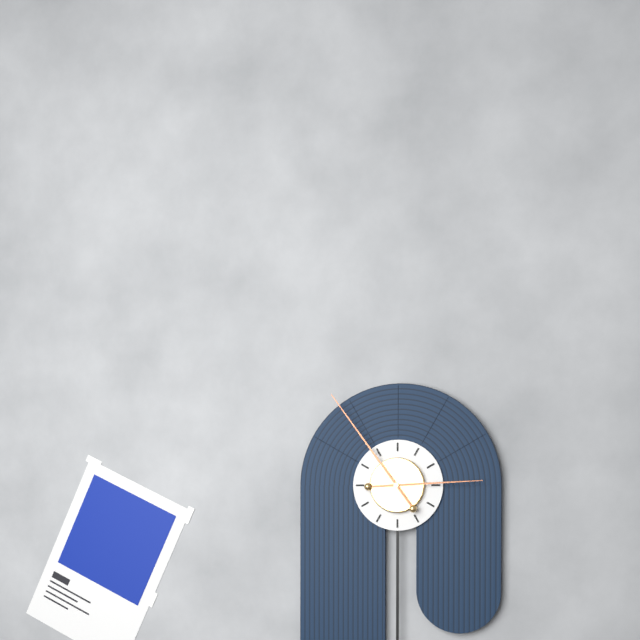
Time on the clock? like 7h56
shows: 2h54
